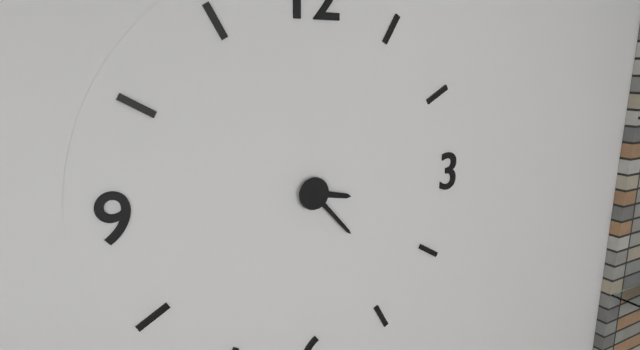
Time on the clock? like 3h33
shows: 3h23
